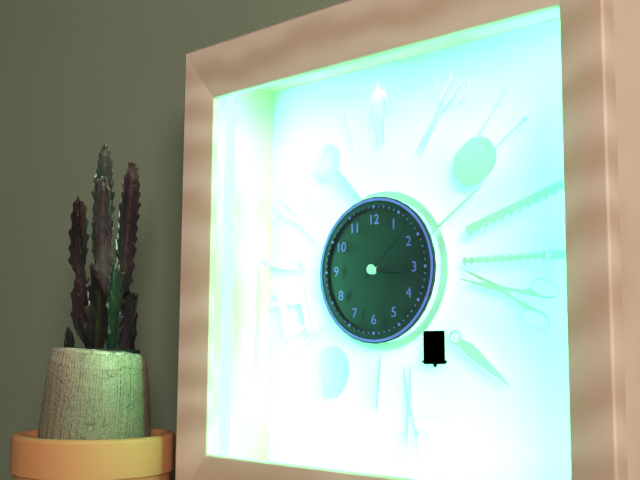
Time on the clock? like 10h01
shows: 3h08
